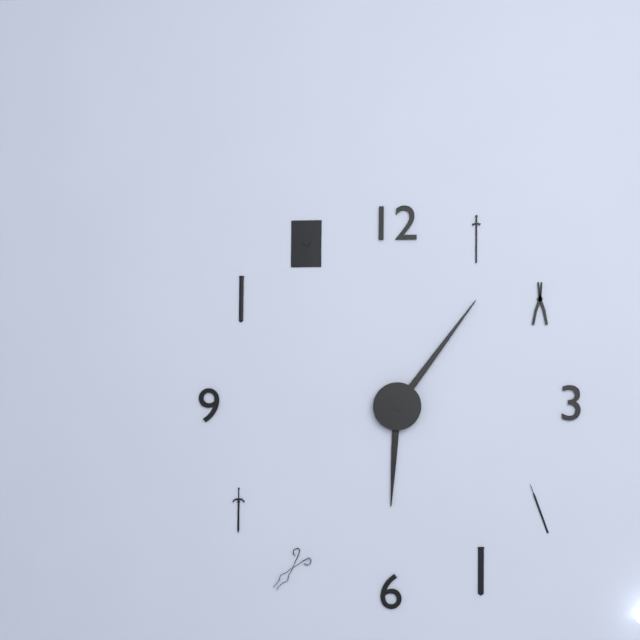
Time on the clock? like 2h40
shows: 6h06
